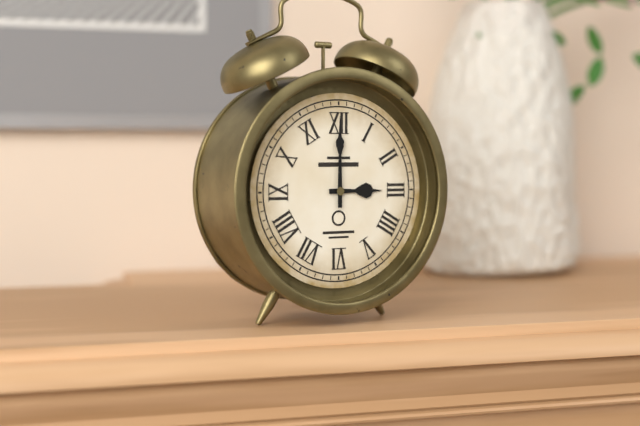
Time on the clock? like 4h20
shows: 3h00
